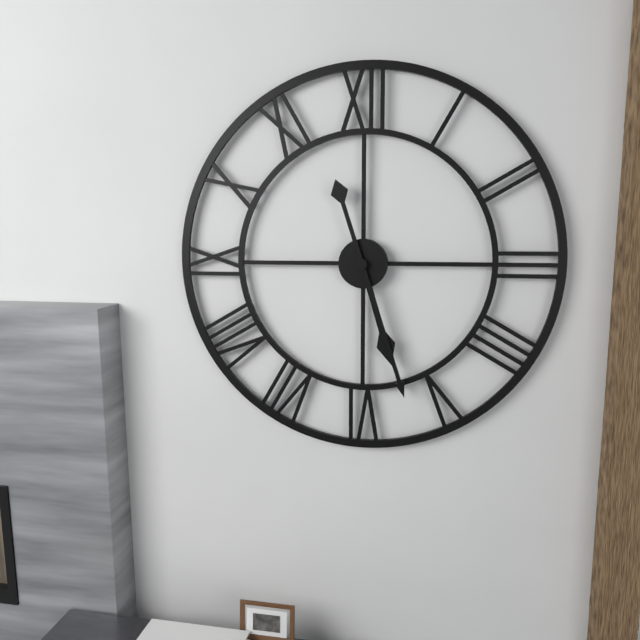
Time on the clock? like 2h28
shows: 5h27
